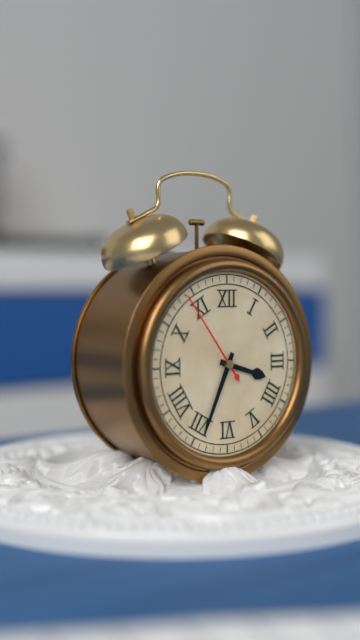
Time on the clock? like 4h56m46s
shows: 3h34m54s
